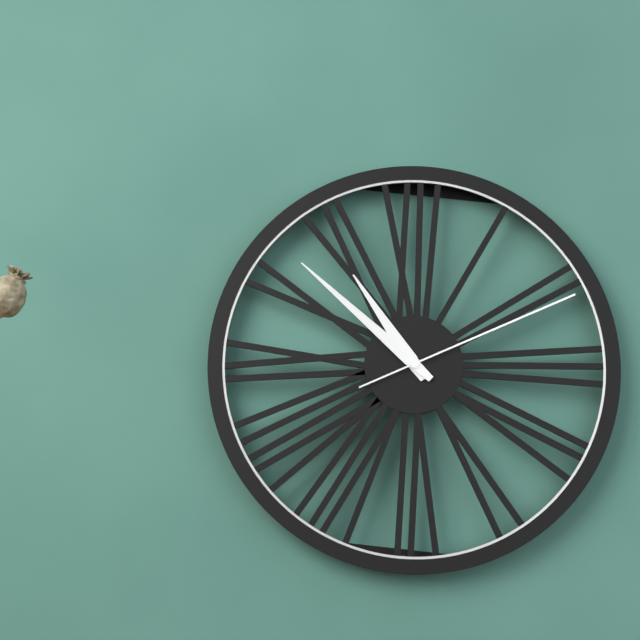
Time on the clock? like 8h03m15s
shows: 10h52m11s
